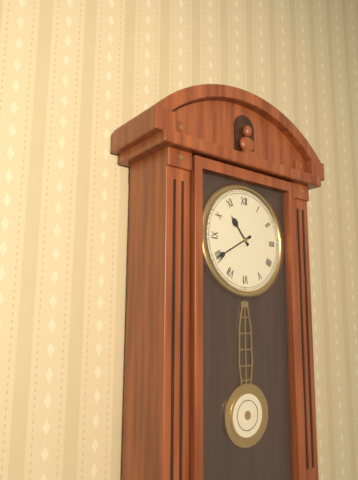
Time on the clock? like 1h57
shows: 10h40
